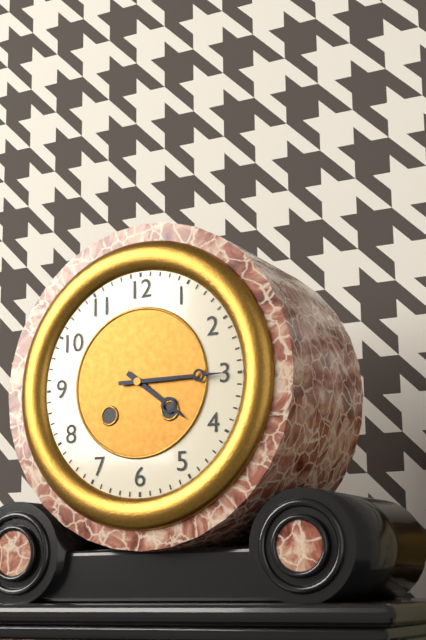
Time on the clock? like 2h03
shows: 4h15
